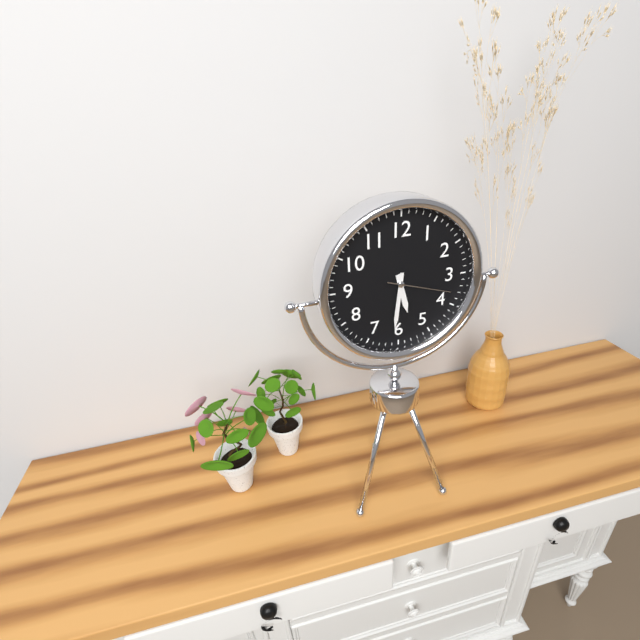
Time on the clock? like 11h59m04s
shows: 5h31m18s
